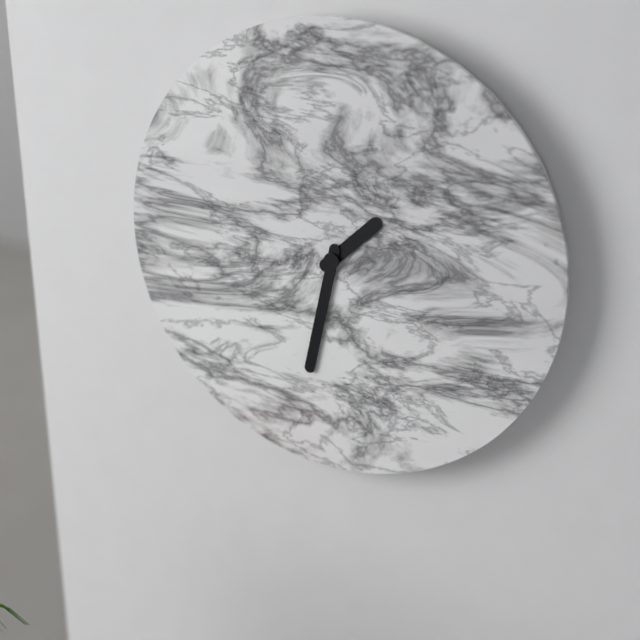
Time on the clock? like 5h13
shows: 1h32
